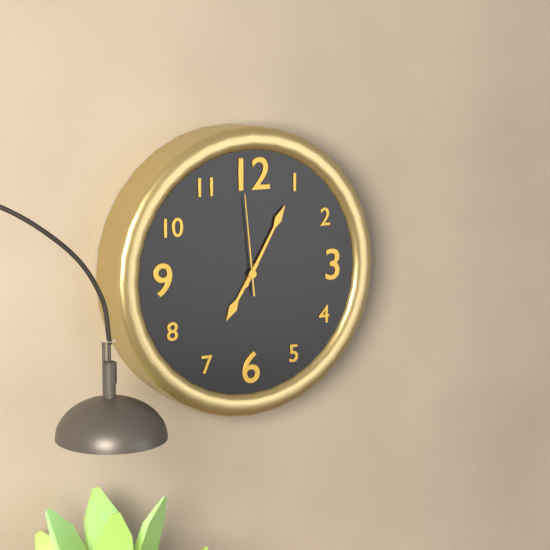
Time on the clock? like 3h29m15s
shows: 7h05m59s
